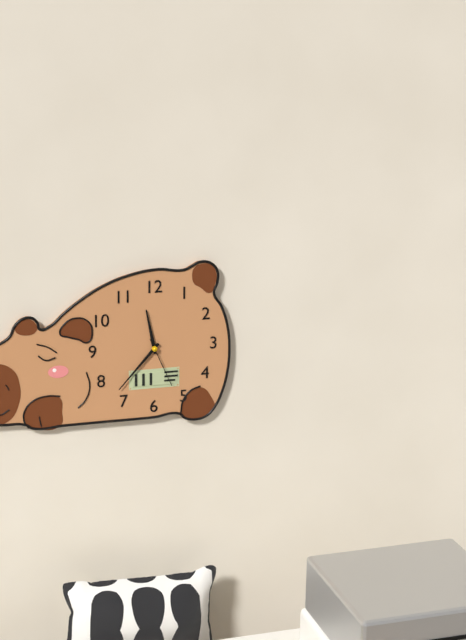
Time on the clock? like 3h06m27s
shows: 11h37m26s
